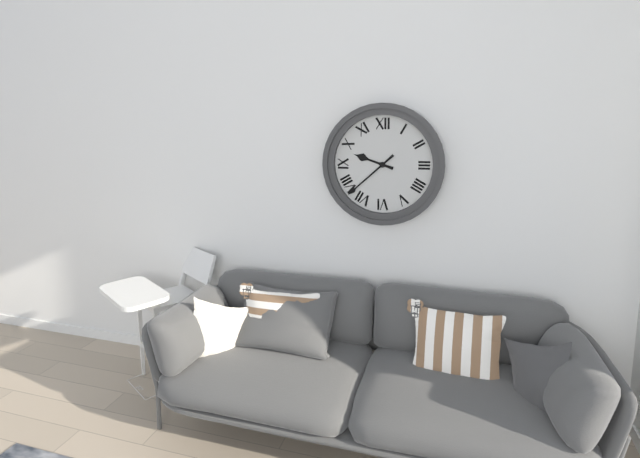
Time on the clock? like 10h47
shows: 9h38
